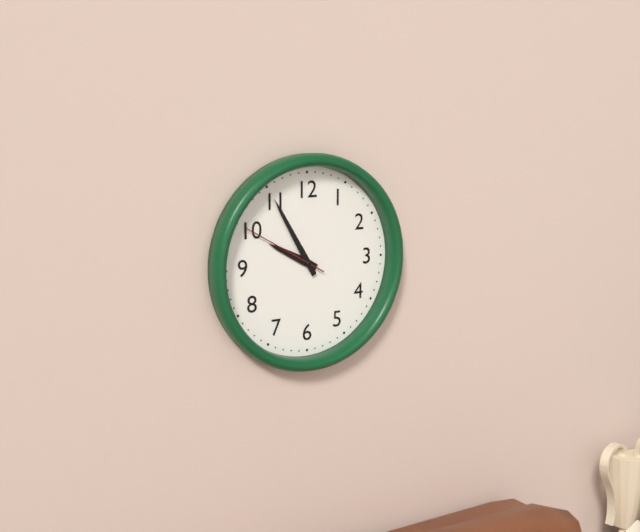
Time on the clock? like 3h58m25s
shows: 9h55m50s
